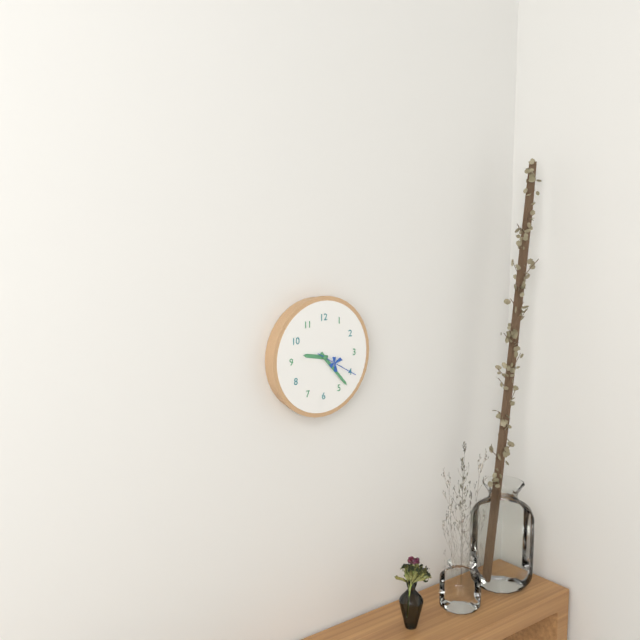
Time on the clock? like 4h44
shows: 9h23
